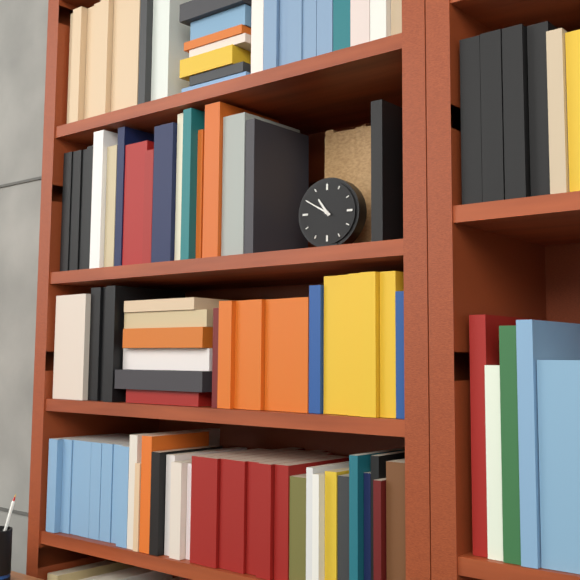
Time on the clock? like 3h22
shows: 10h50
